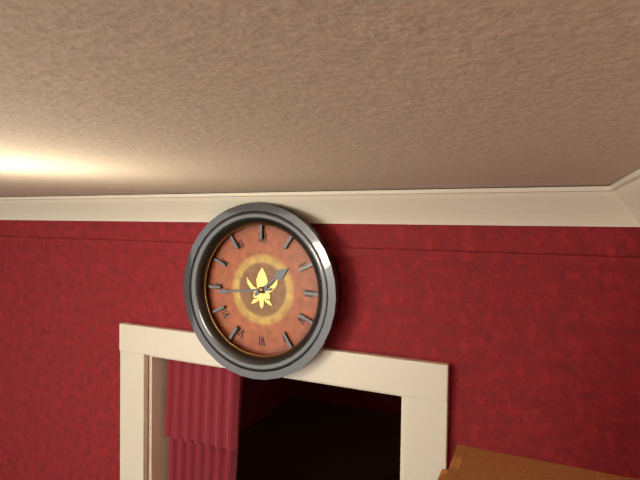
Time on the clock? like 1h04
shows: 1h44
